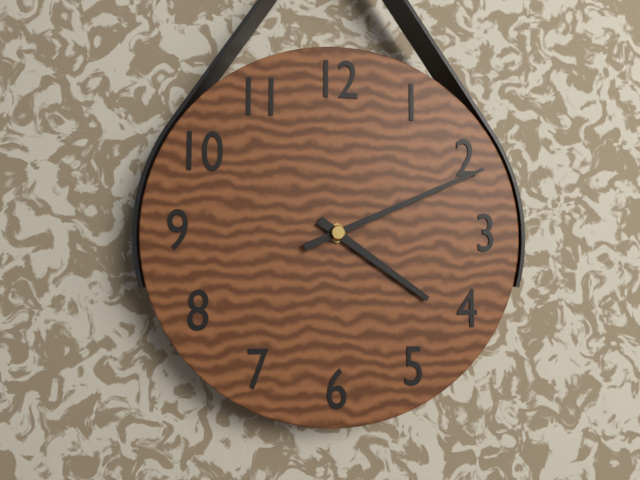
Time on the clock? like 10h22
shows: 4h11
